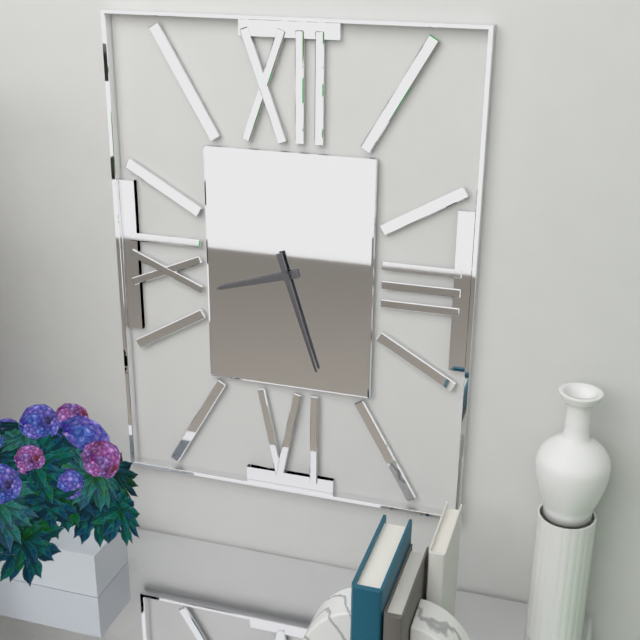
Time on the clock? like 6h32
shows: 8h27
